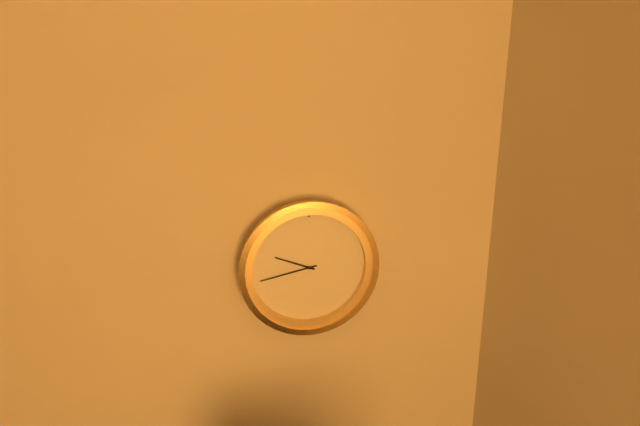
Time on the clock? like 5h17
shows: 9h43
